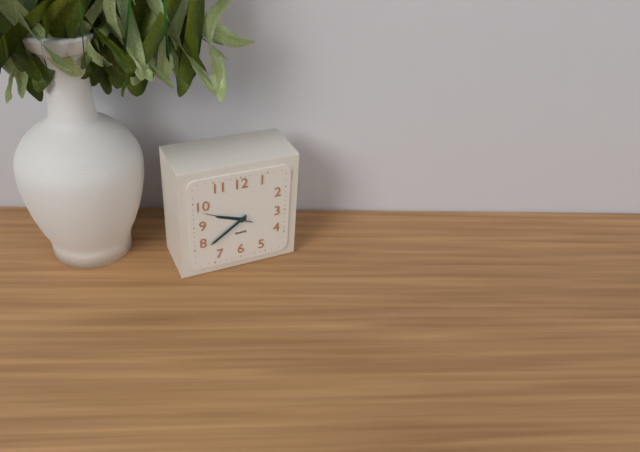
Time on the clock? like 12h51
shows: 9h39
